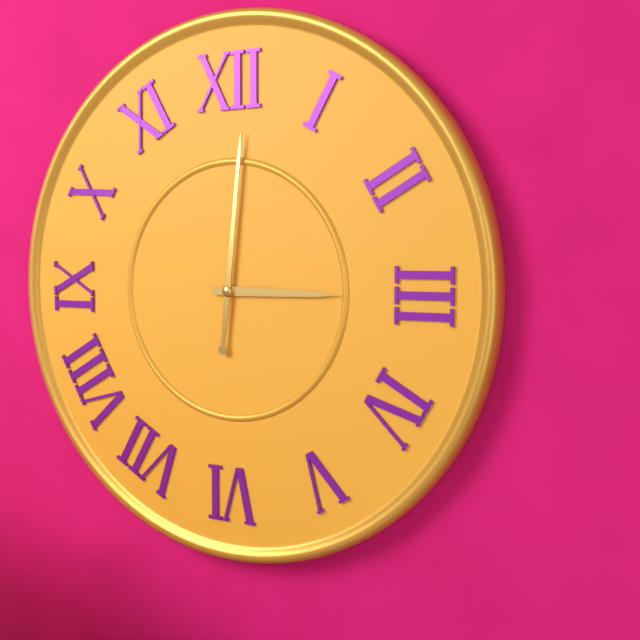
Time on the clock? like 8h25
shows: 3h01
